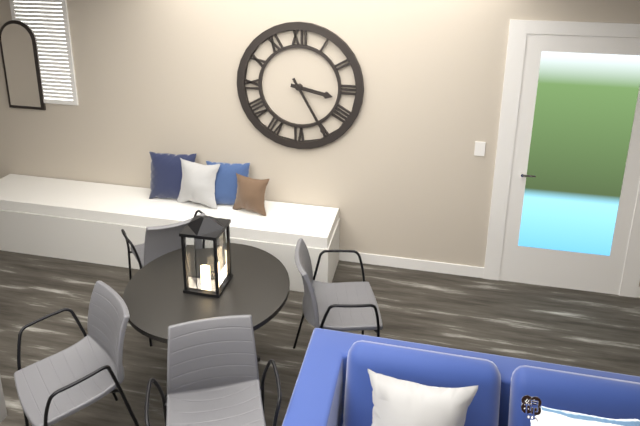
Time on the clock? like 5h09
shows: 3h25
